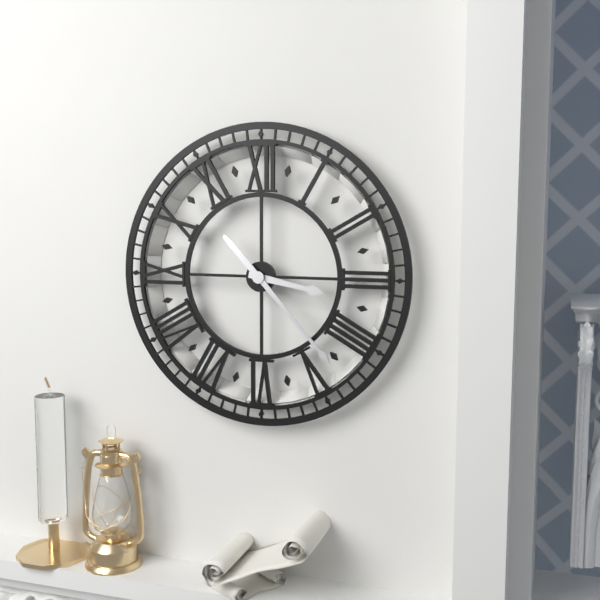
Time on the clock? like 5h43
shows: 3h23
